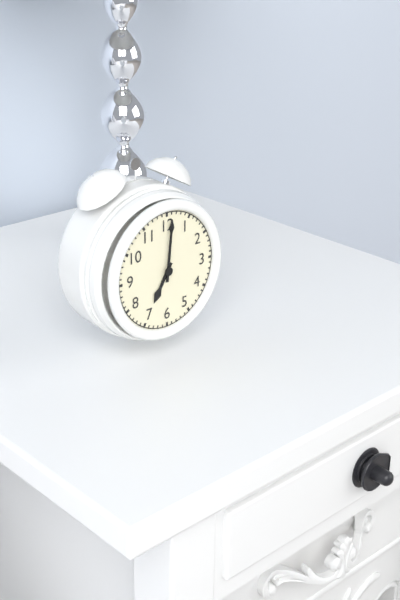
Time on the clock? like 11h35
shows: 7h01
